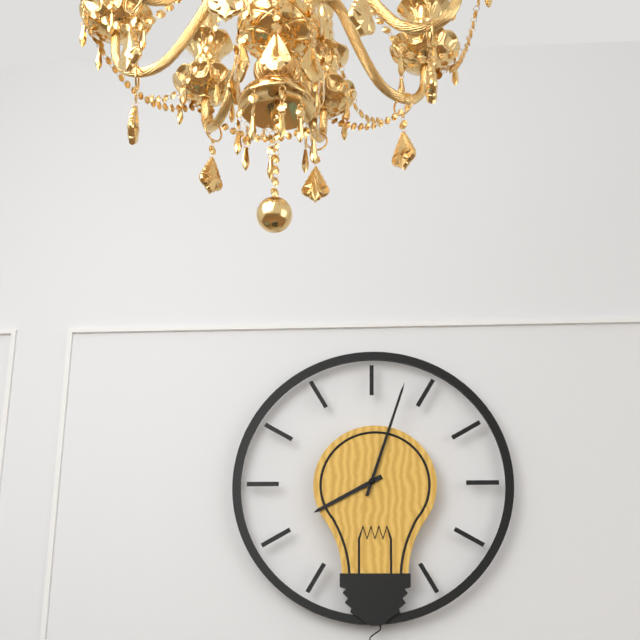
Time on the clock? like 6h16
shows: 8h03
